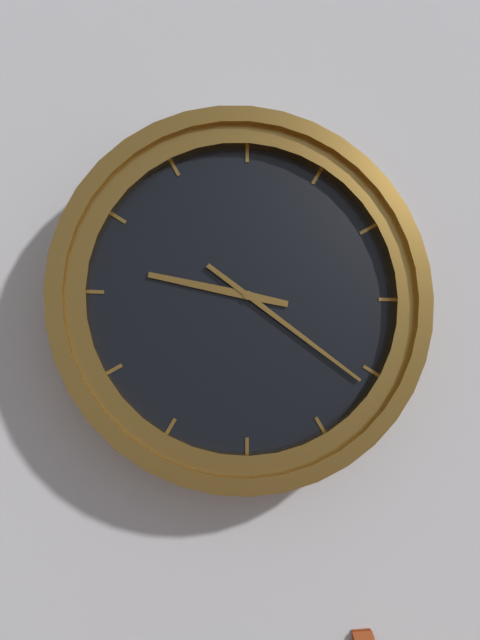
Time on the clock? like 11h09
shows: 9h21
